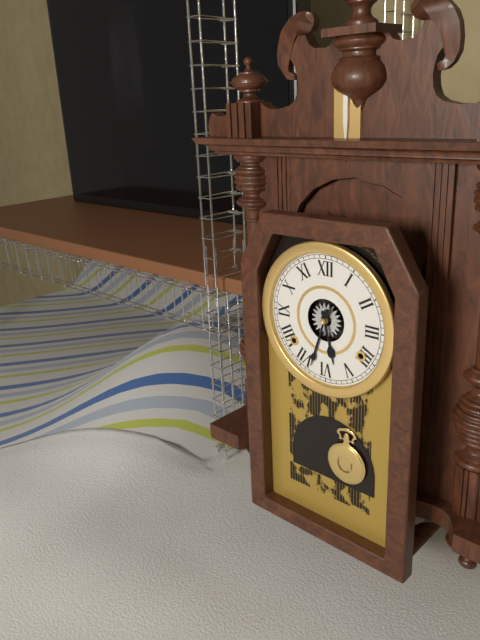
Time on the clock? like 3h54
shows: 5h33
